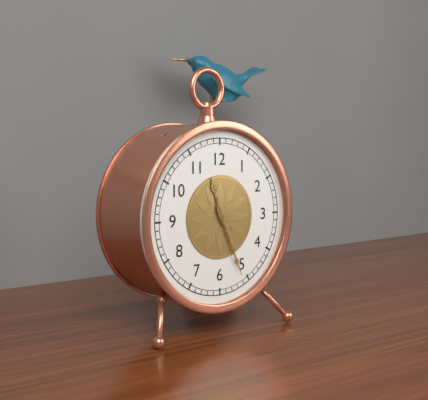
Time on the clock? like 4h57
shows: 11h26
